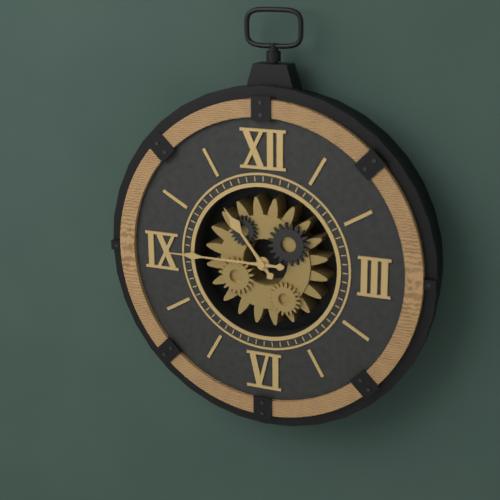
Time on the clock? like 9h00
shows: 10h45
